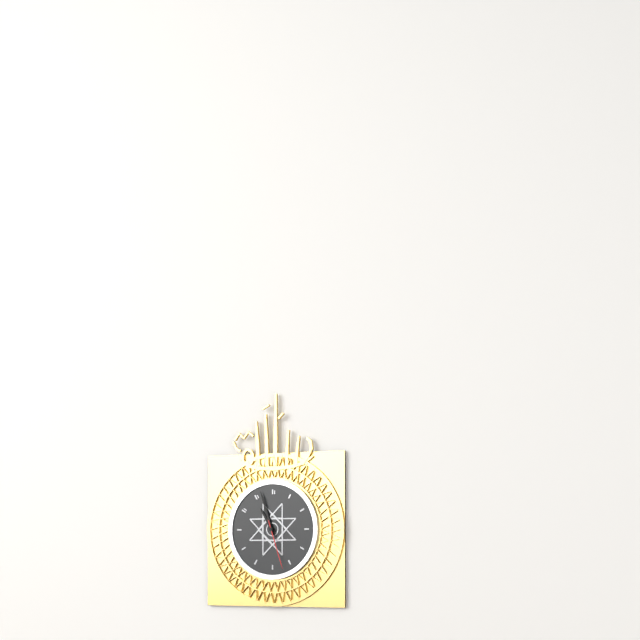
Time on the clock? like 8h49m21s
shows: 10h57m27s
